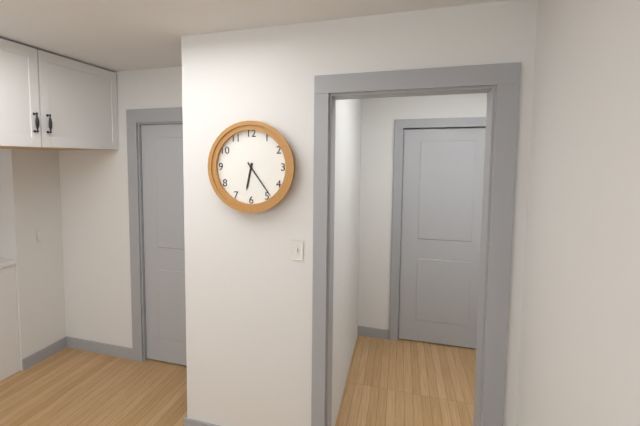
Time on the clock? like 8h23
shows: 6h24
